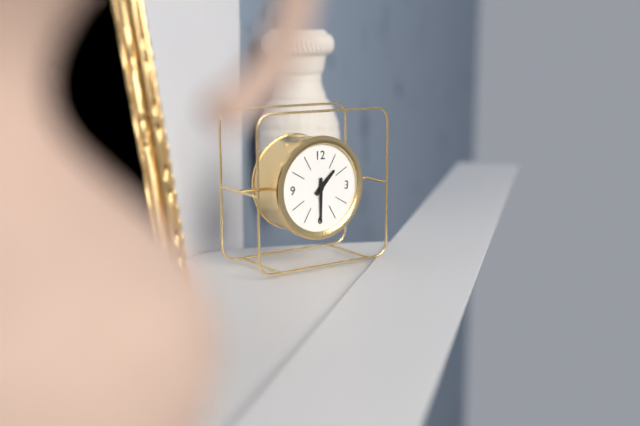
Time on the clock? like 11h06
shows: 1h30
